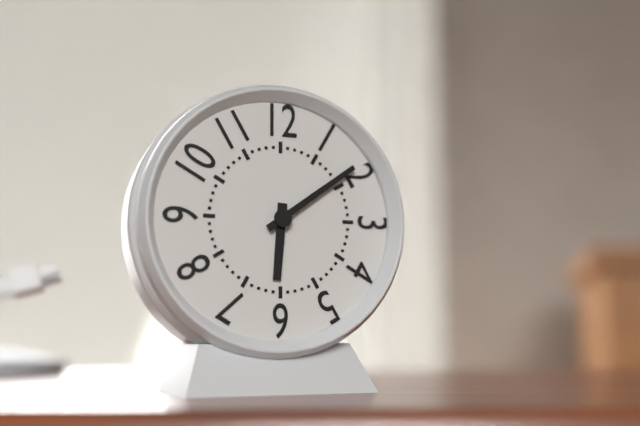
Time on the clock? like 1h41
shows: 6h09
